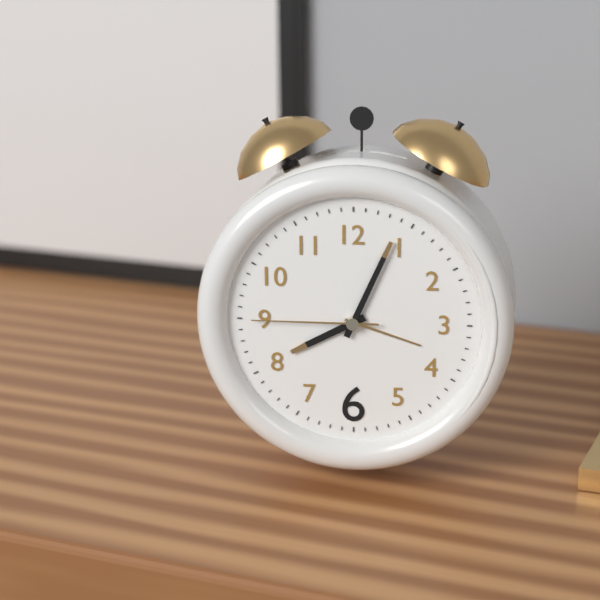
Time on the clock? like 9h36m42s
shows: 8h04m45s
